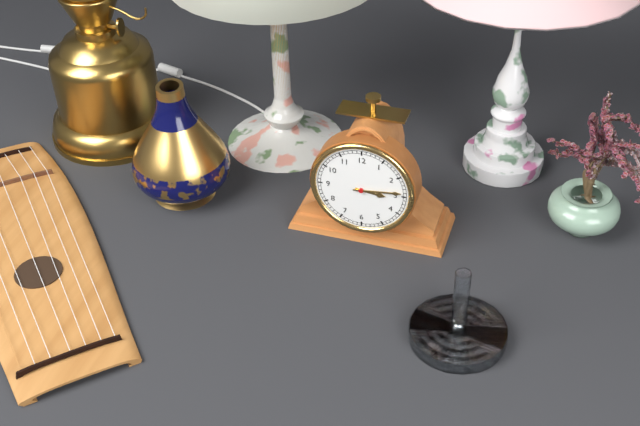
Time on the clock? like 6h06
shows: 3h14
